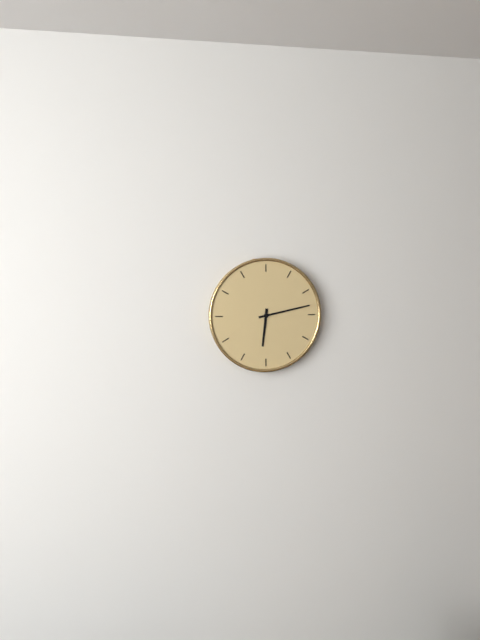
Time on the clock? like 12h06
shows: 6h13
